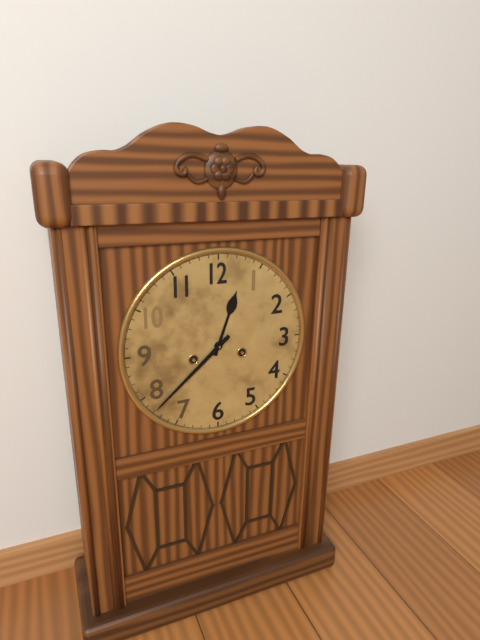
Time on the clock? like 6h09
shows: 12h38
